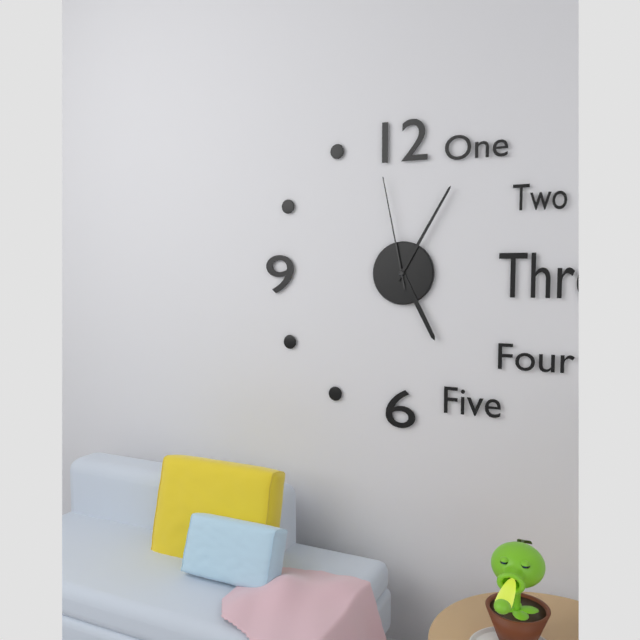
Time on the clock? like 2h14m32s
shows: 5h05m58s
